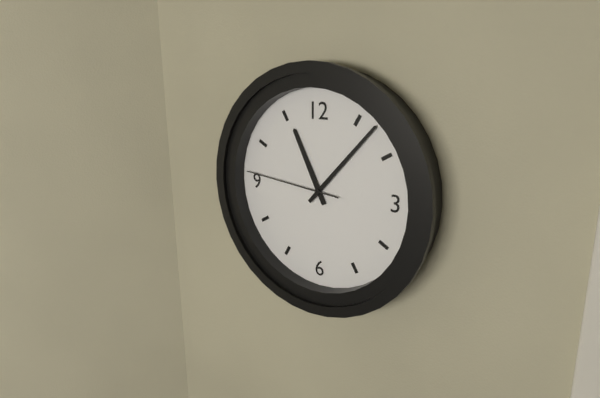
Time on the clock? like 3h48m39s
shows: 11h07m46s
